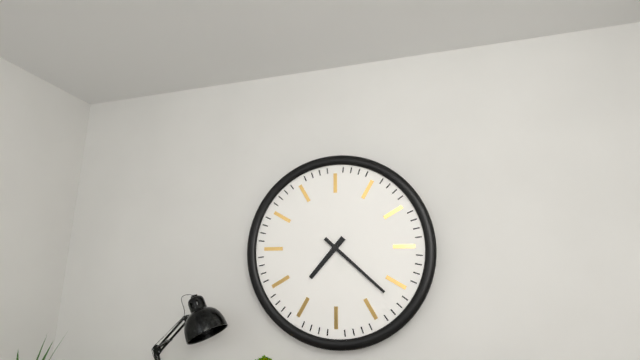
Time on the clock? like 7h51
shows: 7h22
